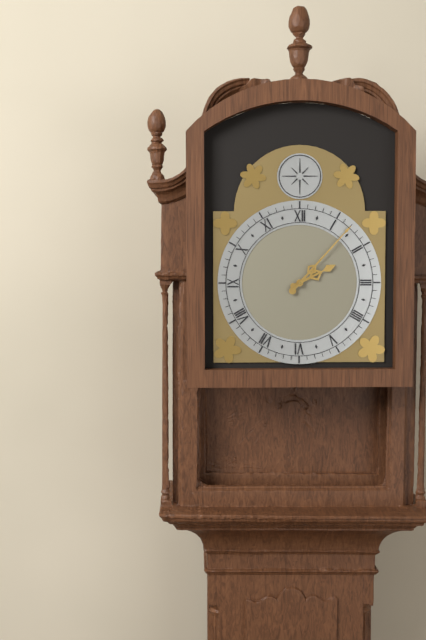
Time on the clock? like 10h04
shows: 2h07
